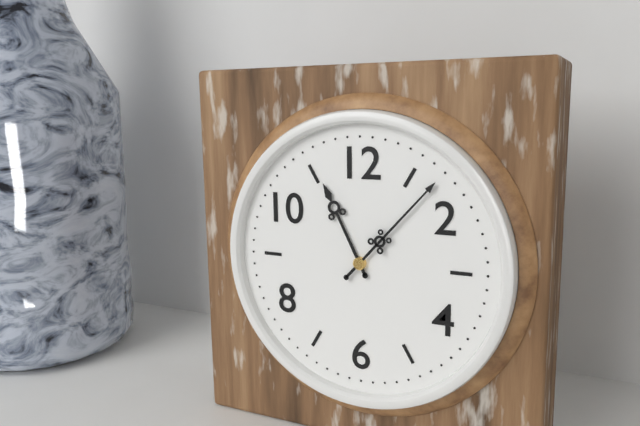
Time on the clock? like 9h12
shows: 11h07
